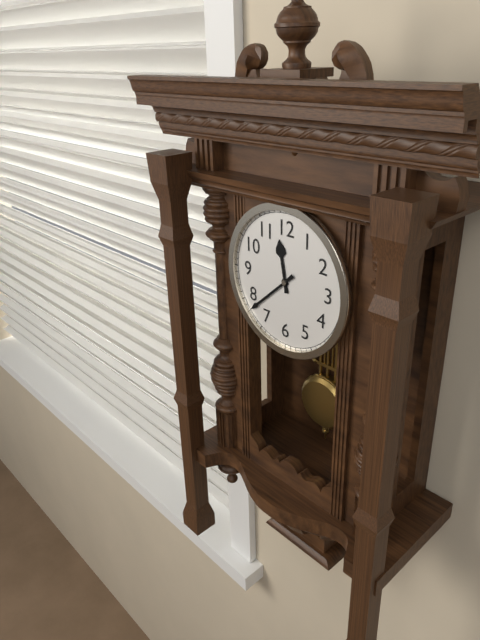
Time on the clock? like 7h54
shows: 11h38
